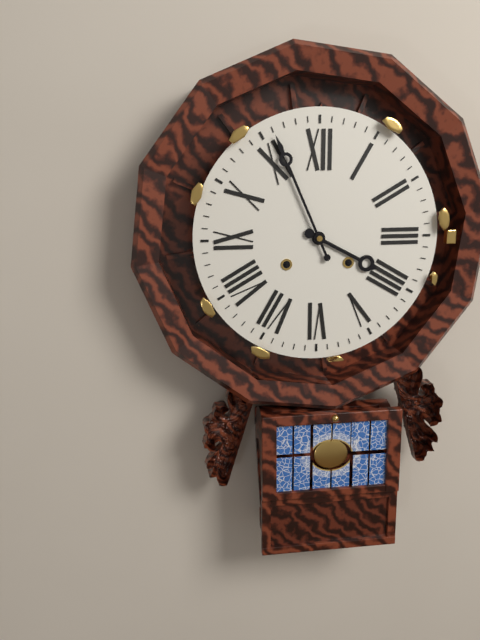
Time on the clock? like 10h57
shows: 3h56
